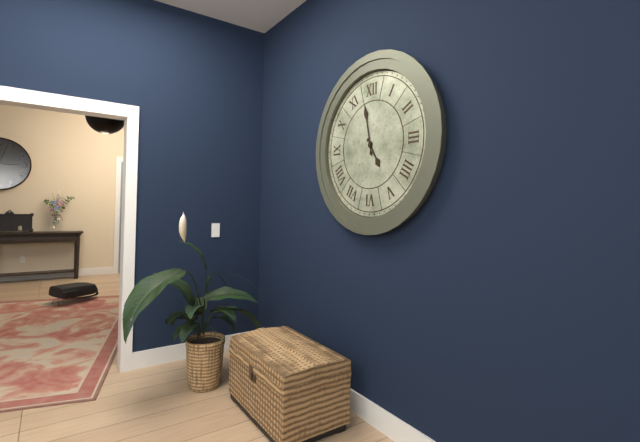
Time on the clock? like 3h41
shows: 4h58
